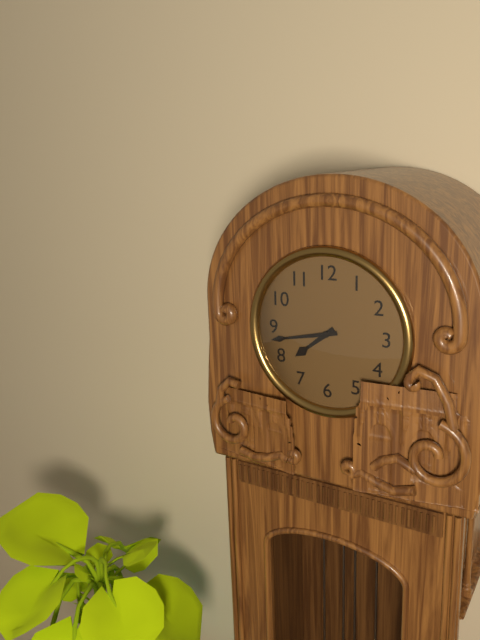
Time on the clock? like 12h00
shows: 7h43
